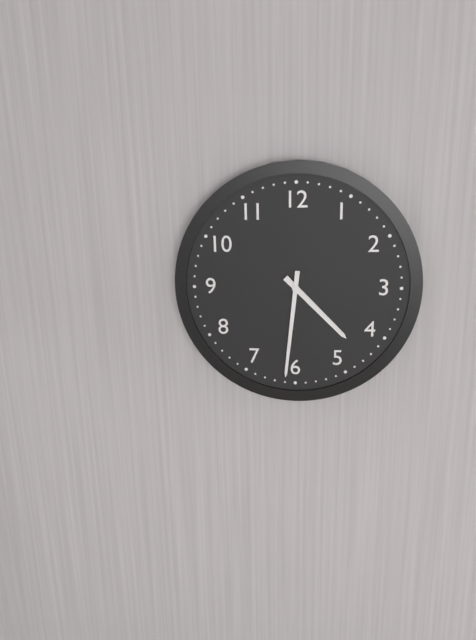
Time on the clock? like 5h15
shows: 4h31
